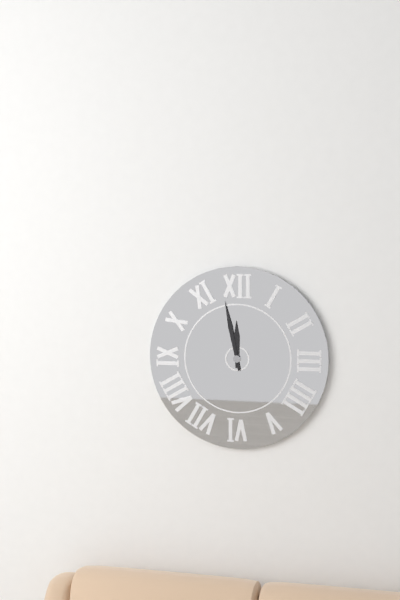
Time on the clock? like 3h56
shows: 11h58
